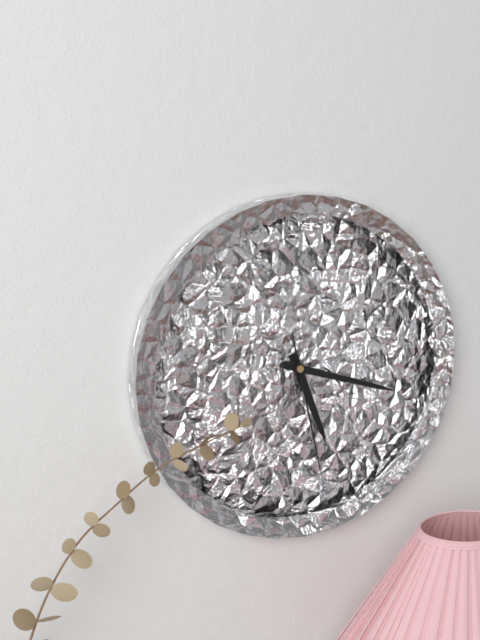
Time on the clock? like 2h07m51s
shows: 5h18m28s
